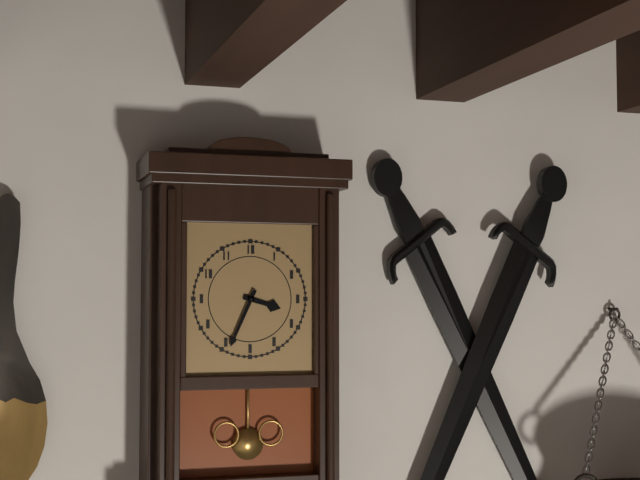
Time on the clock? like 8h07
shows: 3h34
